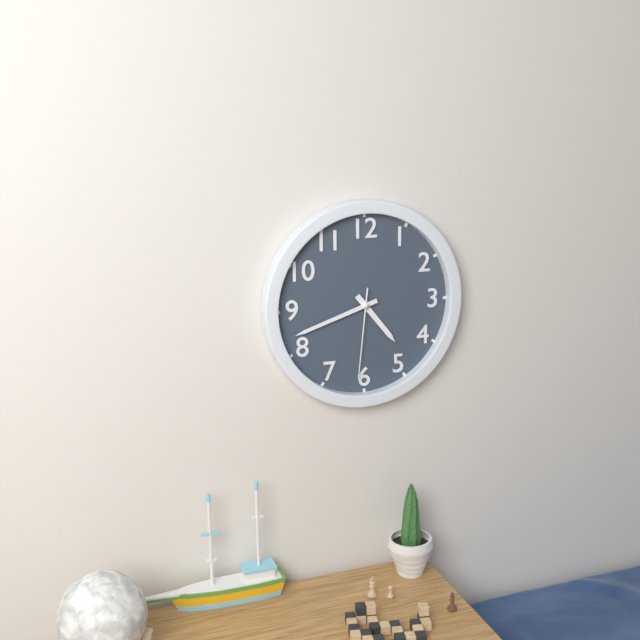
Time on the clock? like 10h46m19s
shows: 4h42m31s
